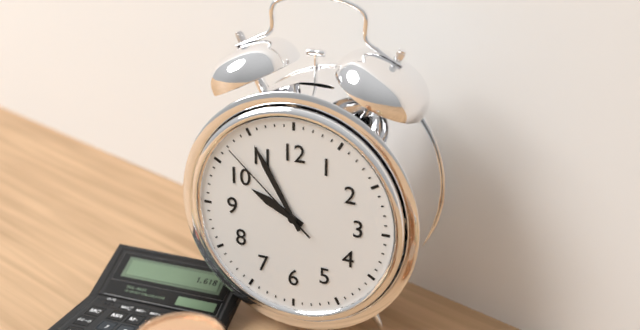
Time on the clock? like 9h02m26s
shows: 9h55m52s
